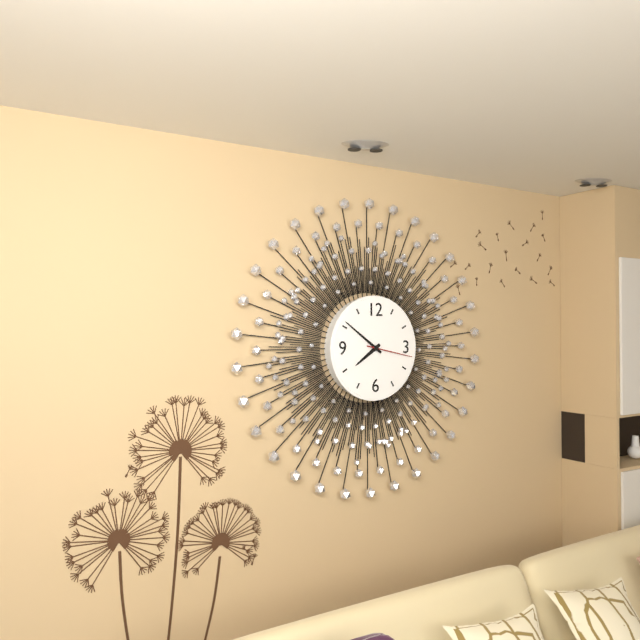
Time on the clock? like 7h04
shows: 7h51
